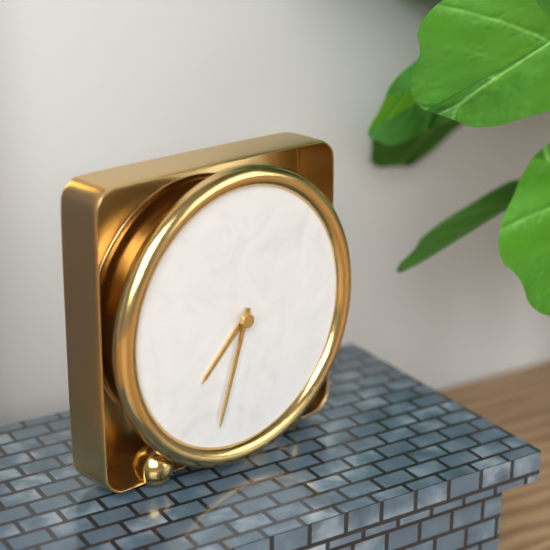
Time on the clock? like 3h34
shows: 7h33
